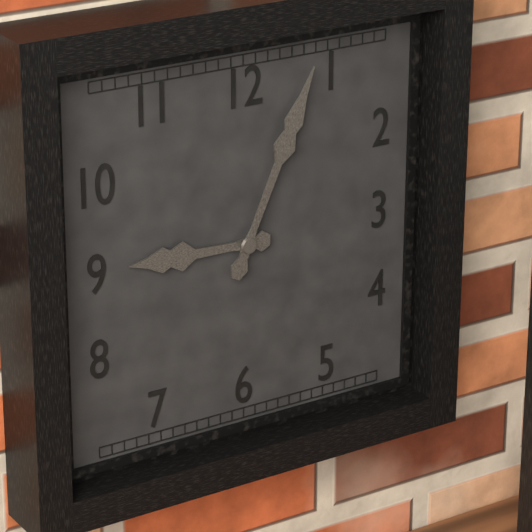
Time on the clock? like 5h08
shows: 9h04
